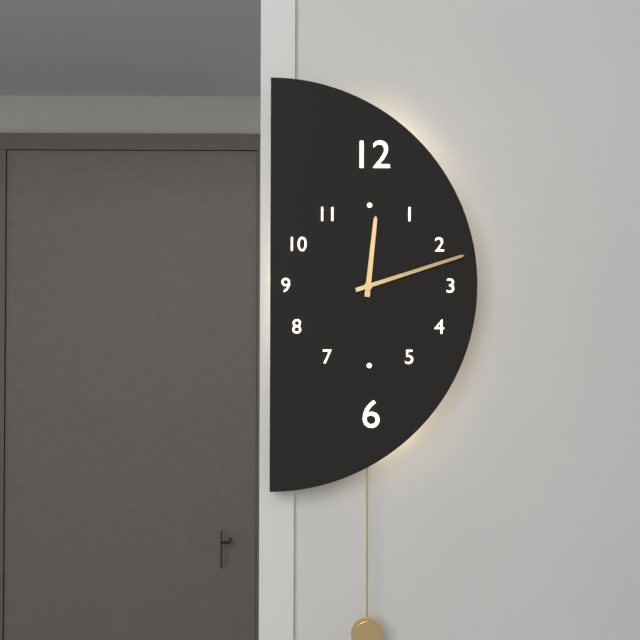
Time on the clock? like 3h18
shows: 12h12
